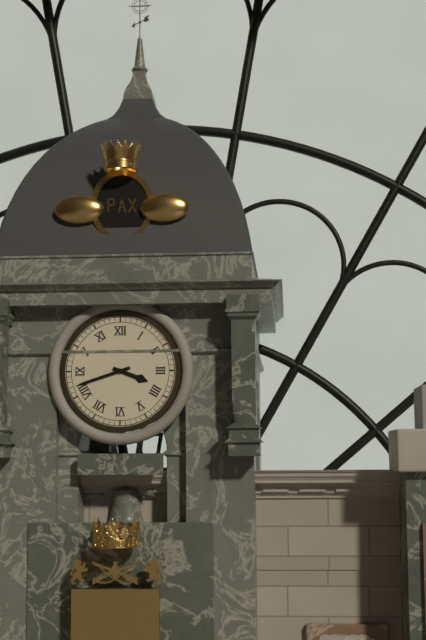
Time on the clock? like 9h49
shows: 3h42
